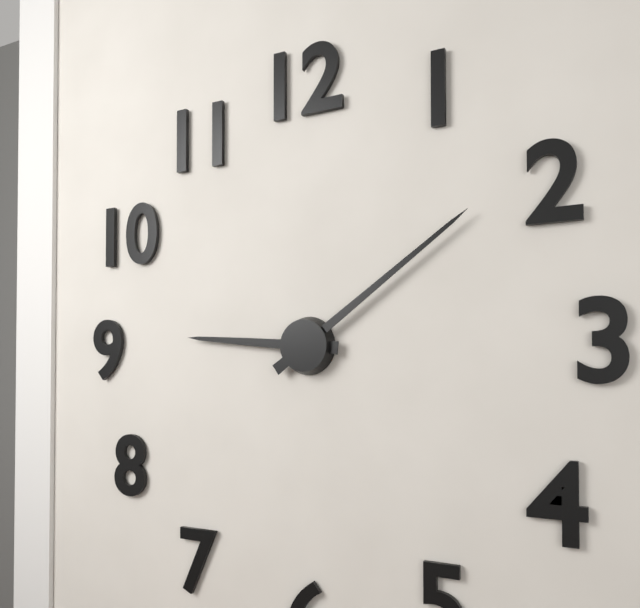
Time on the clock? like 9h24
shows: 9h09
